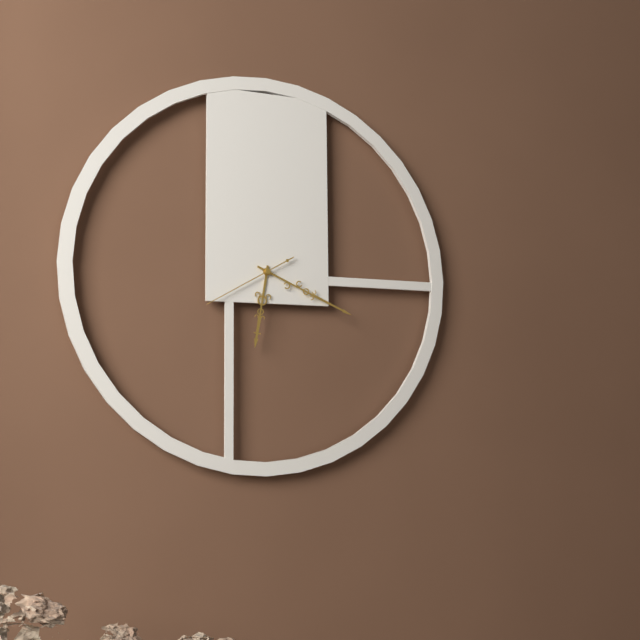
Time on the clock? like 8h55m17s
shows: 6h19m40s
